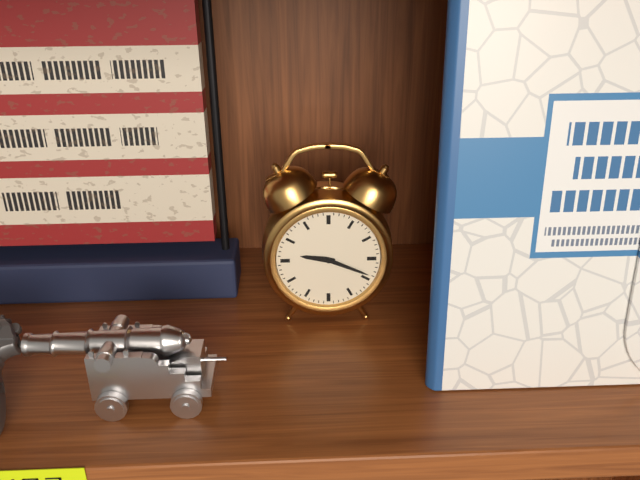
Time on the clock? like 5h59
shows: 9h19
